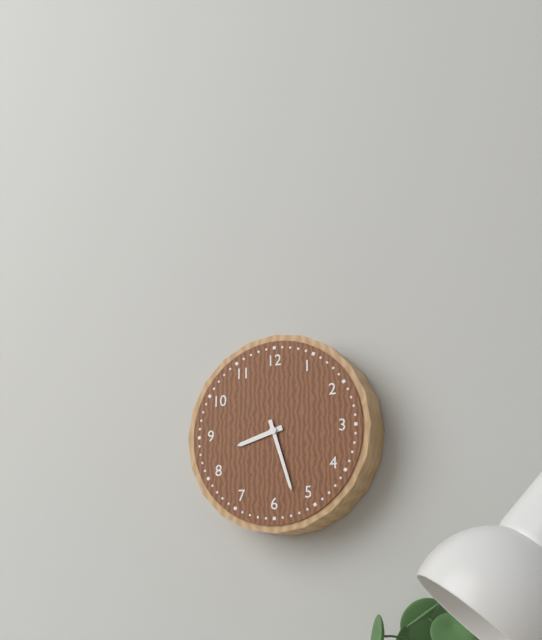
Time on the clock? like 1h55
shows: 8h27
